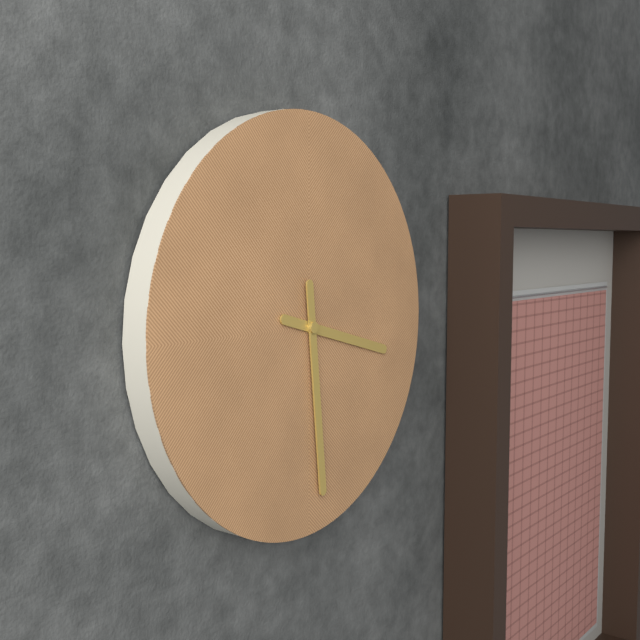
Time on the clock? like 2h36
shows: 3h29
